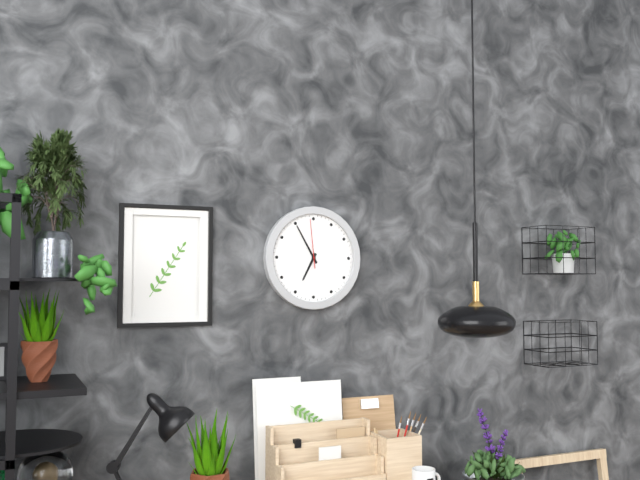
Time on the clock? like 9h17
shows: 6h55
